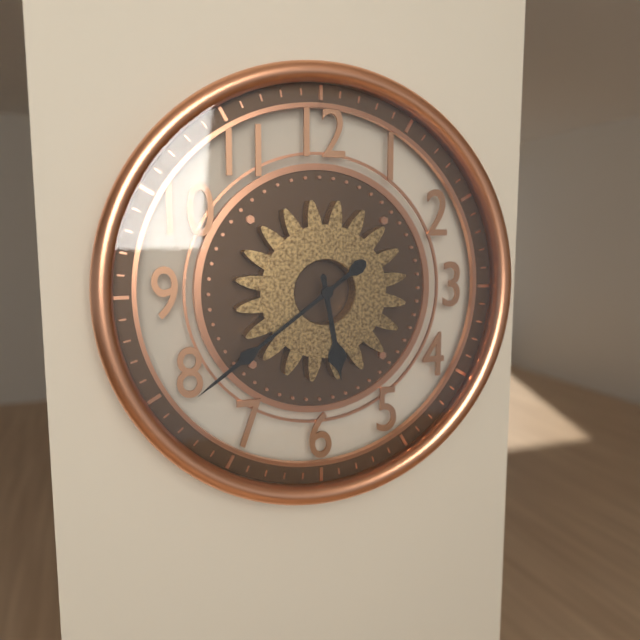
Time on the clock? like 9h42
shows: 5h39
